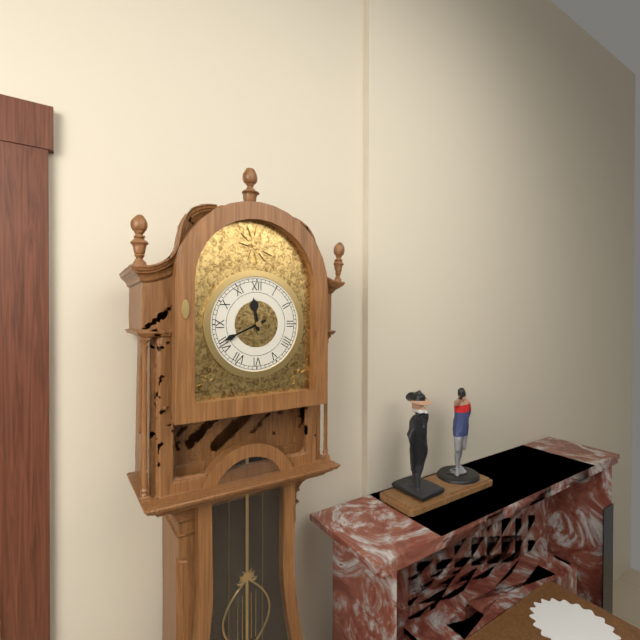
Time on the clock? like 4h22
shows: 11h41
